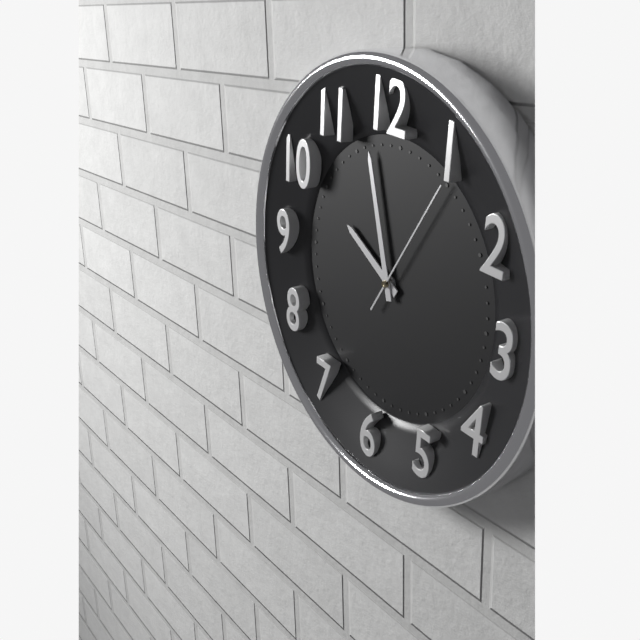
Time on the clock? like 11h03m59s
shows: 9h57m05s
